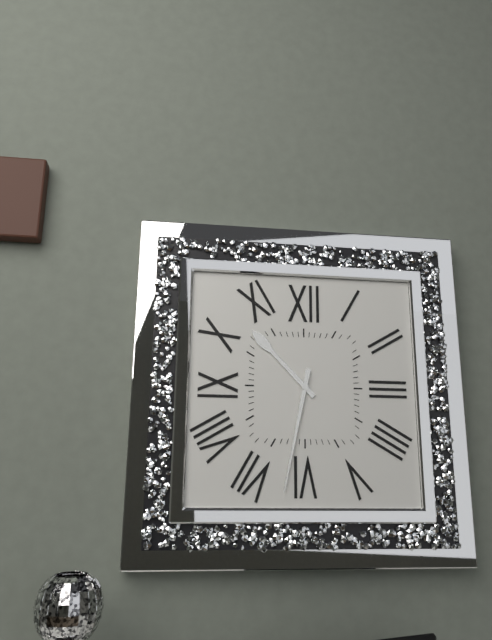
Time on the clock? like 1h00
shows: 10h32
